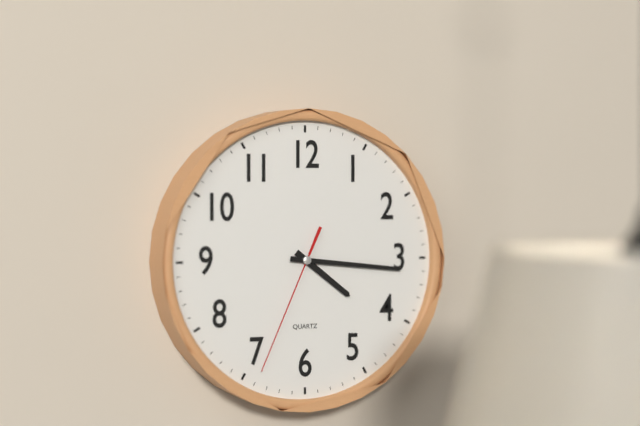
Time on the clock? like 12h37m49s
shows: 4h16m34s
